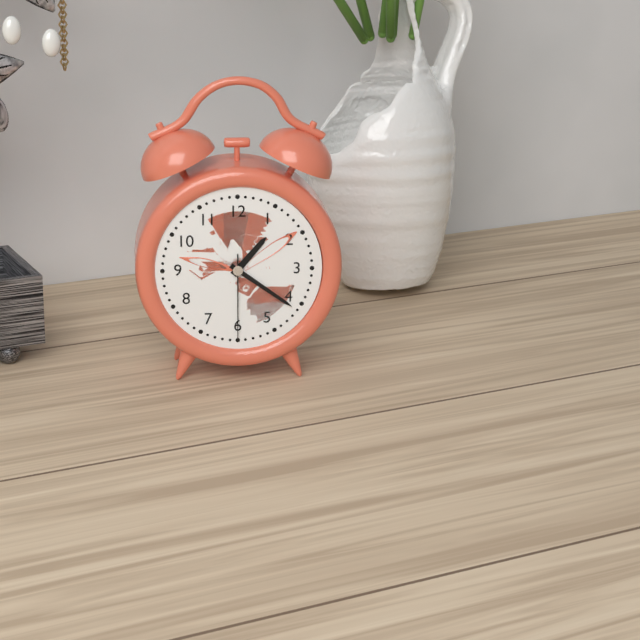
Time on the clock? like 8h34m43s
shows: 1h21m30s
